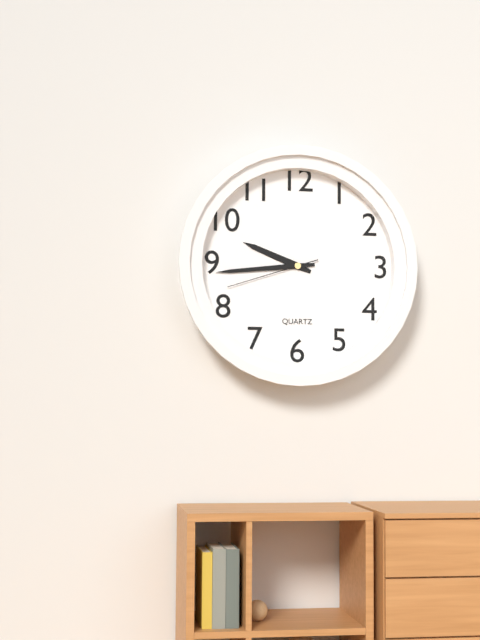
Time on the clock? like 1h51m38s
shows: 9h44m42s
